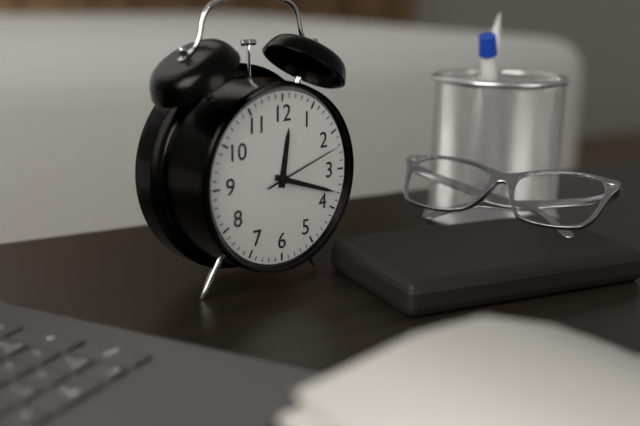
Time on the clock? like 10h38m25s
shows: 12h18m12s
